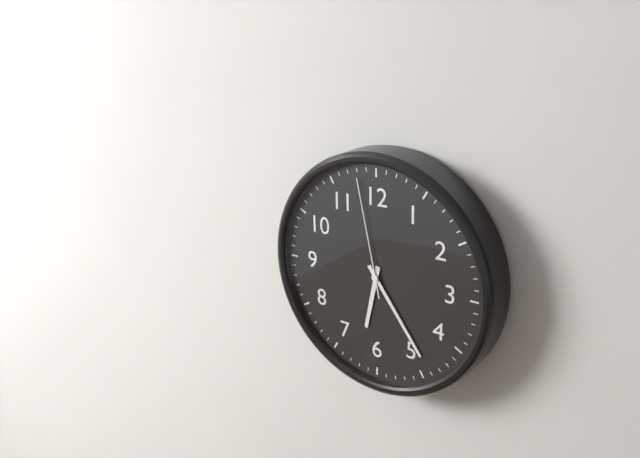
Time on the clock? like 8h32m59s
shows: 6h24m58s
